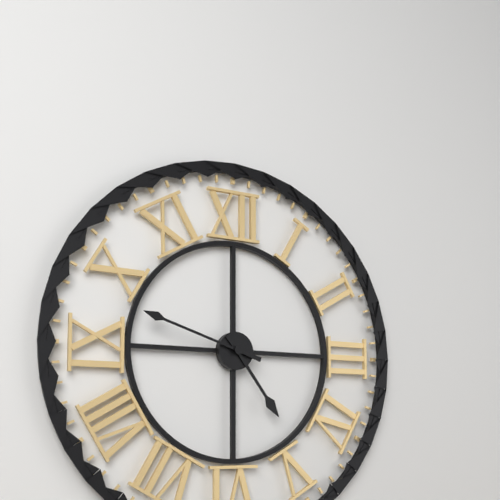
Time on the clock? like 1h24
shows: 4h48
